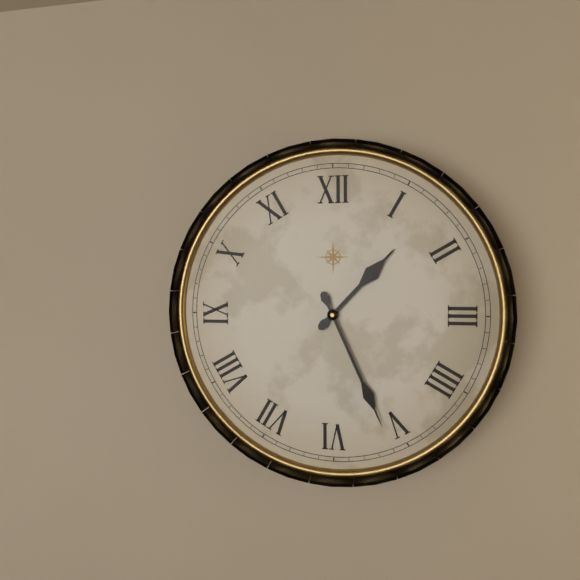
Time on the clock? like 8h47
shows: 1h26
